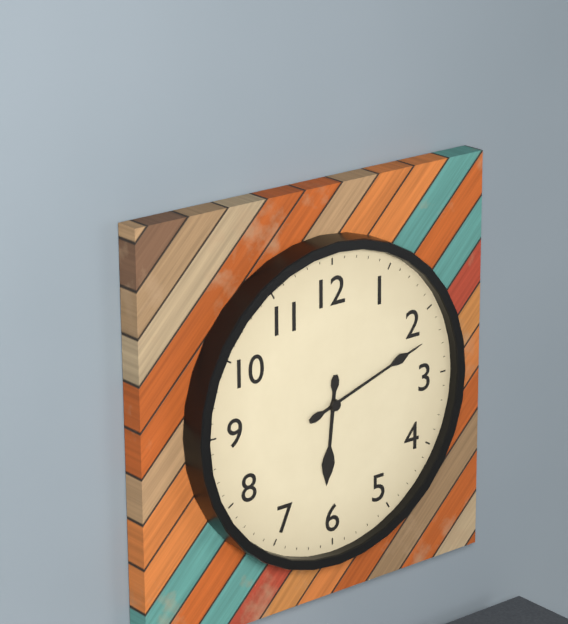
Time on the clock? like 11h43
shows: 6h12
